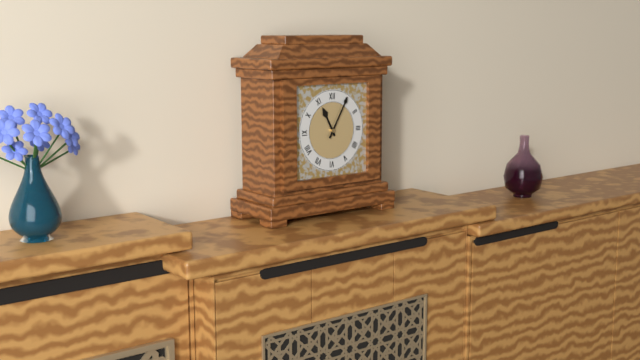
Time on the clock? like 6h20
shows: 11h05
